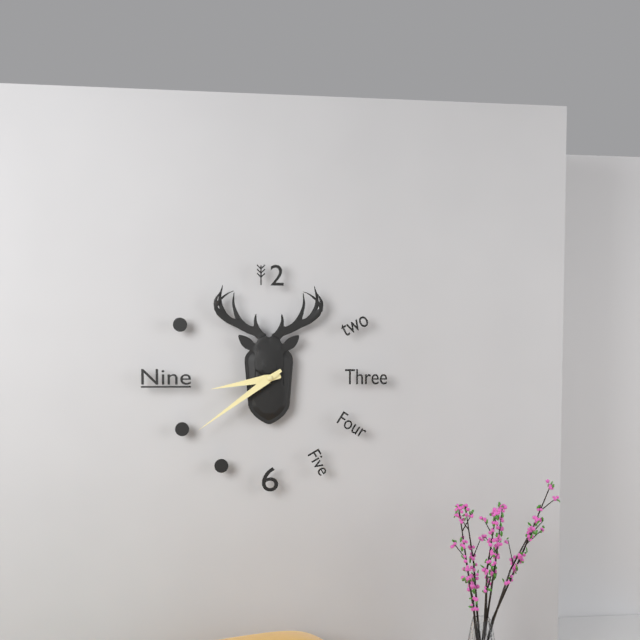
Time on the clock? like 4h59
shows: 8h39
